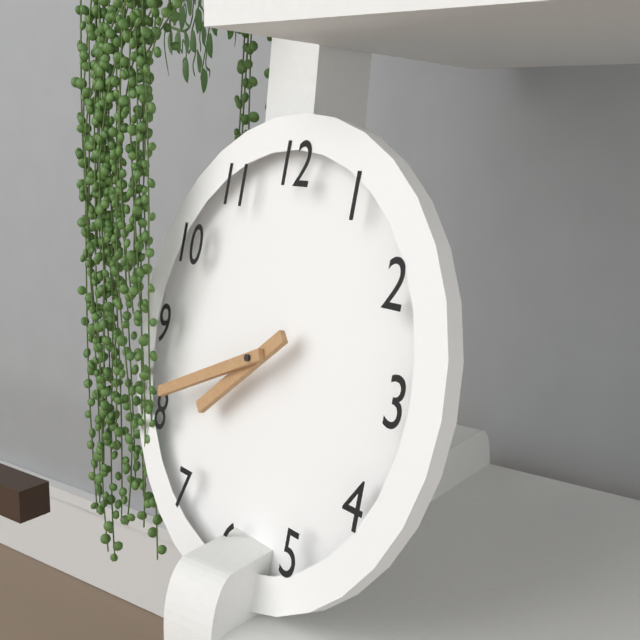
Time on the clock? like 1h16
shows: 7h41
